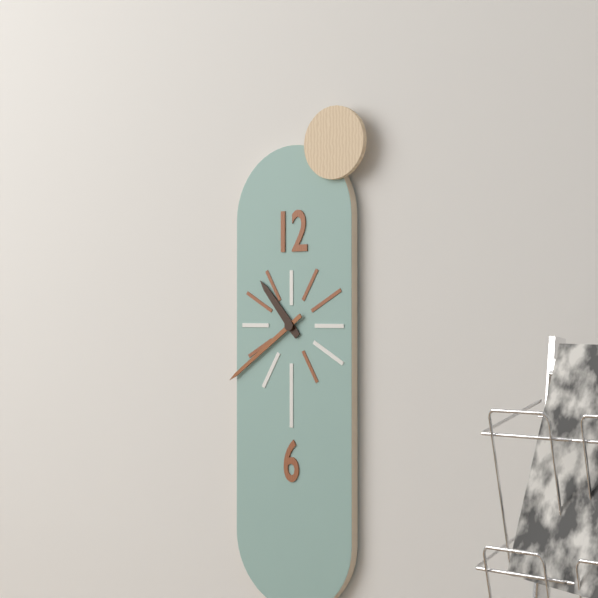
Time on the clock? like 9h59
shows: 10h39
